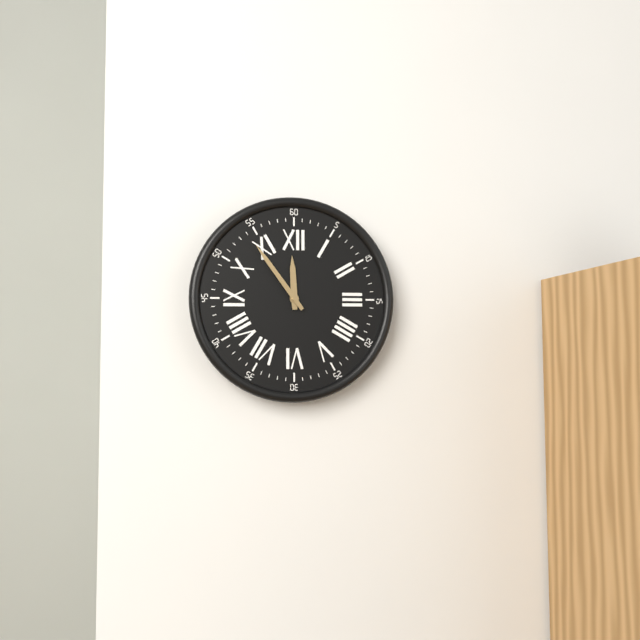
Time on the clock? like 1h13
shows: 11h54
